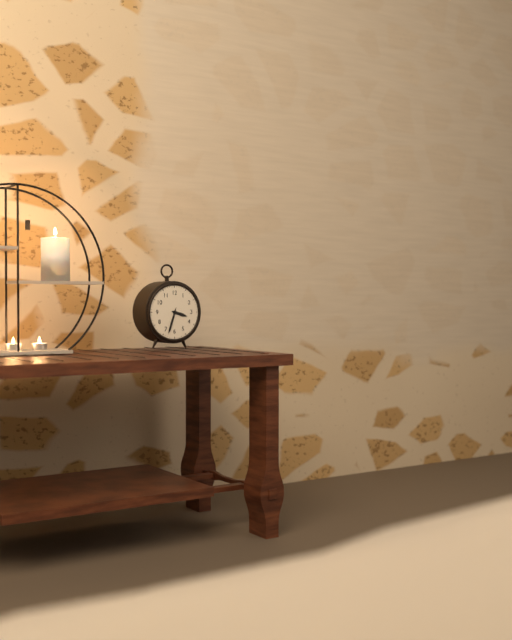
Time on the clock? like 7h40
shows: 3h33
